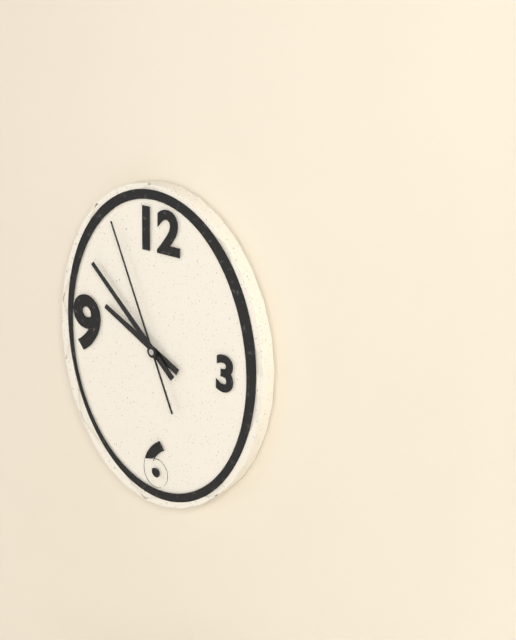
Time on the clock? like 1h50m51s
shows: 9h52m56s
